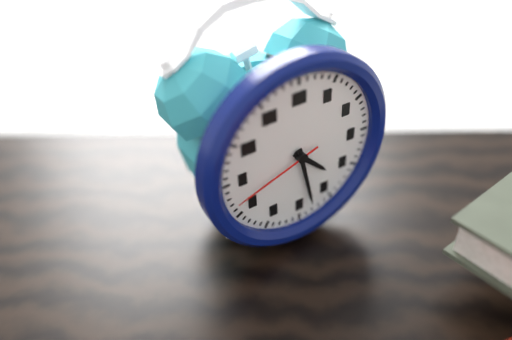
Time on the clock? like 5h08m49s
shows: 4h28m42s
